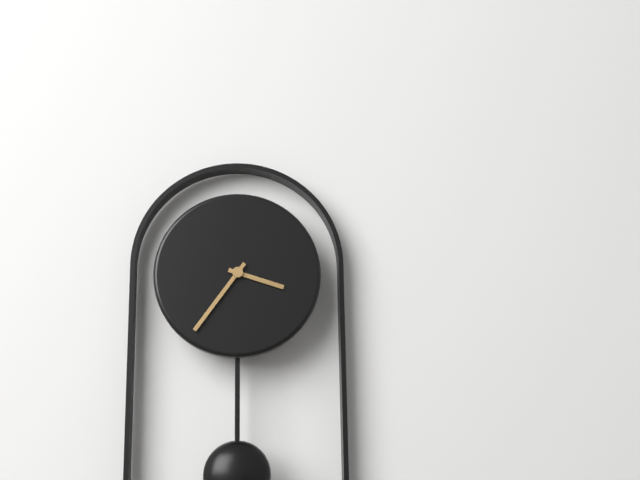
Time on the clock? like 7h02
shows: 3h36
